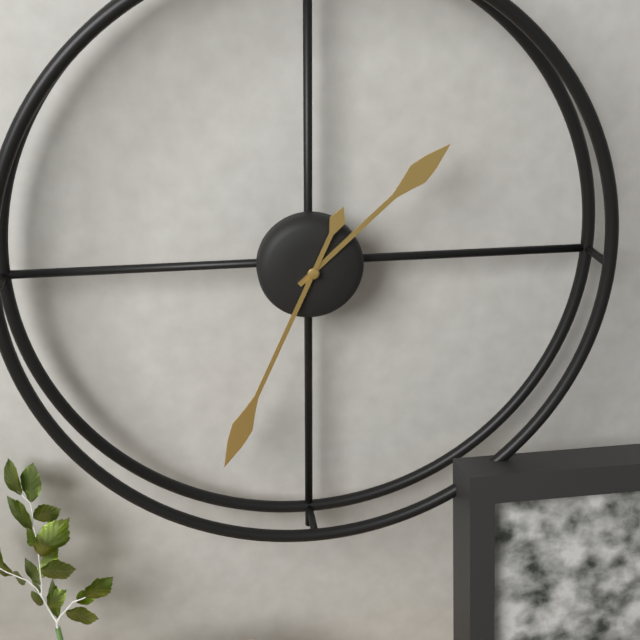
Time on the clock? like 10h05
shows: 1h34
